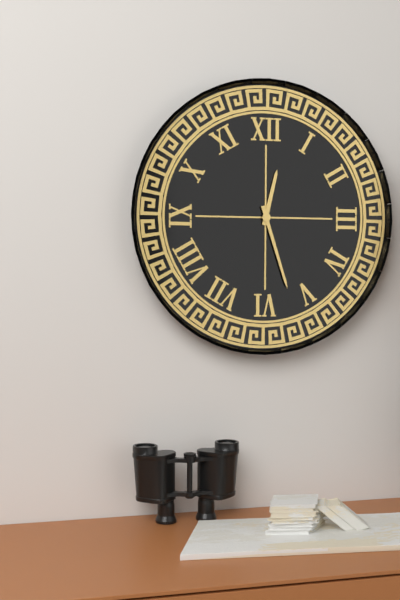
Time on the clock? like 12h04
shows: 12h27
